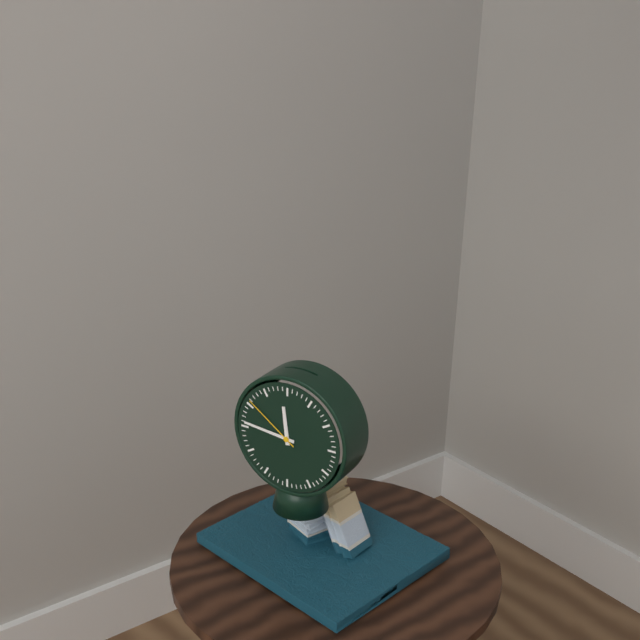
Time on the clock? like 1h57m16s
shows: 11h46m51s
